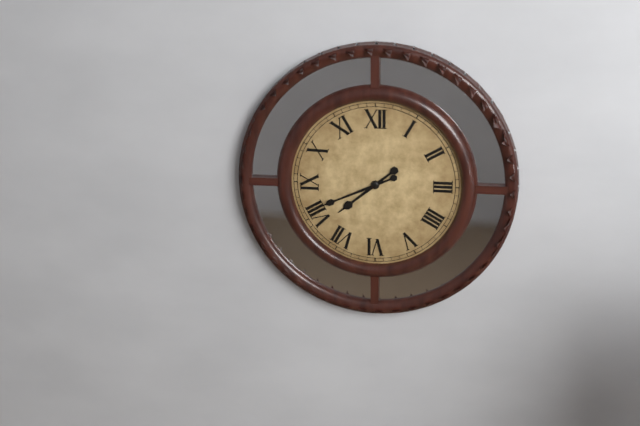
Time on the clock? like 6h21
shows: 7h41
